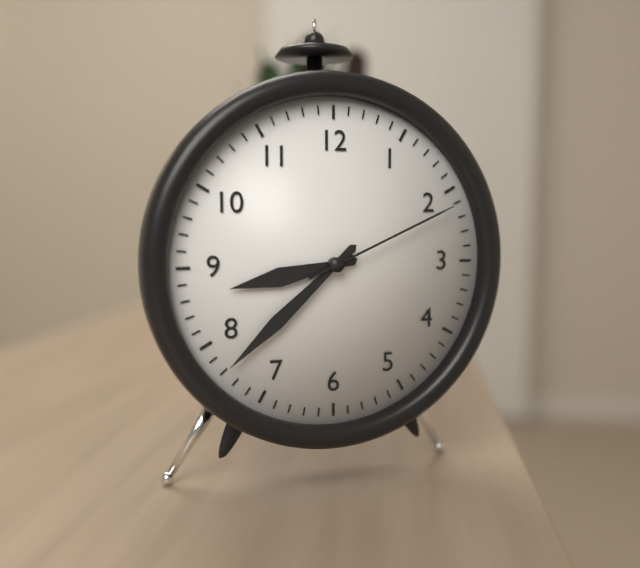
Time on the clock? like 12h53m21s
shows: 8h38m11s
